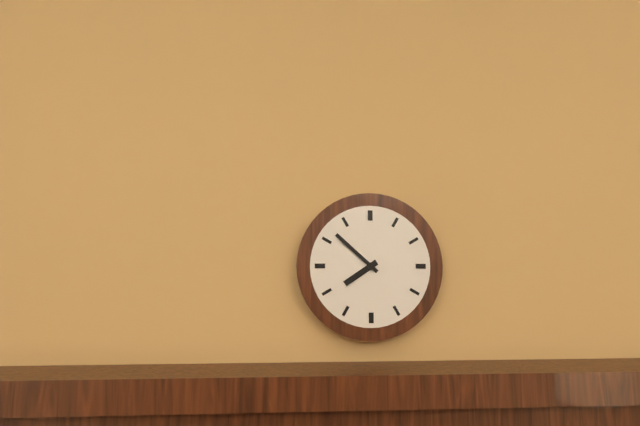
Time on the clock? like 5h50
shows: 7h52
